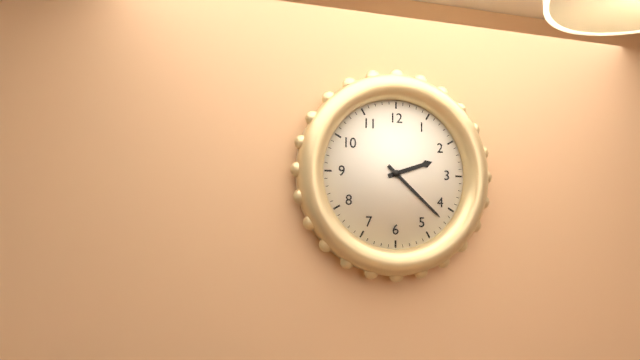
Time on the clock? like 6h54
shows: 2h22
